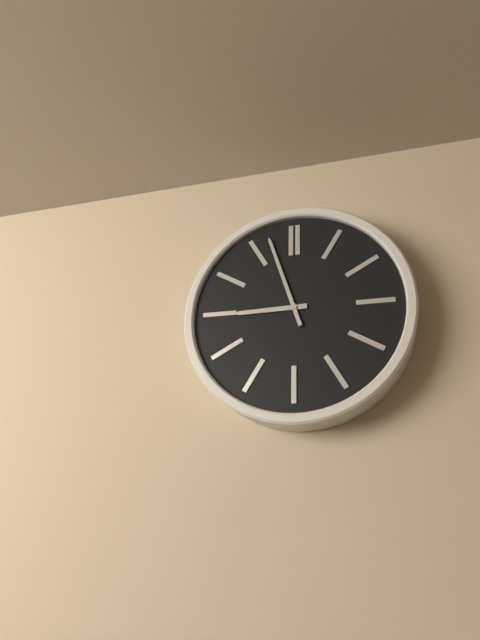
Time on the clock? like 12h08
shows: 8h57
